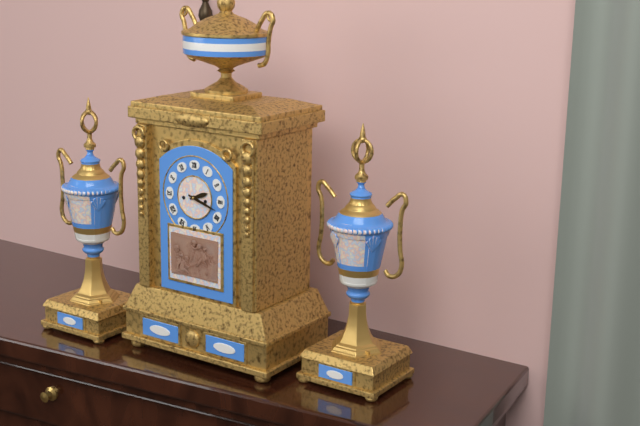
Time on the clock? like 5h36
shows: 2h18
